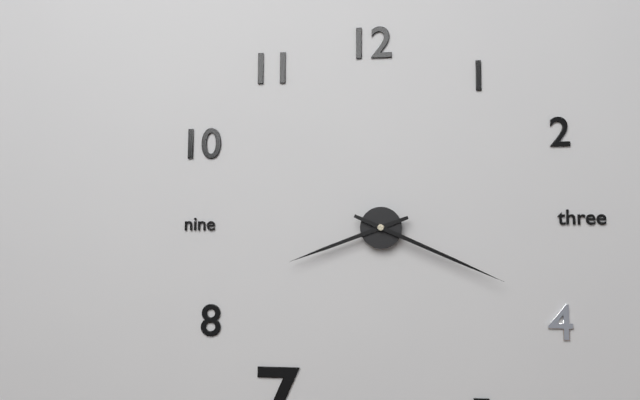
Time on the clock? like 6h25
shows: 8h19
